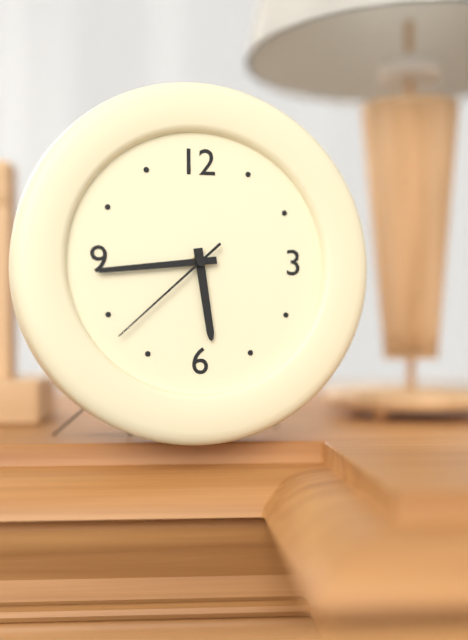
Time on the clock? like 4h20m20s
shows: 5h44m38s
